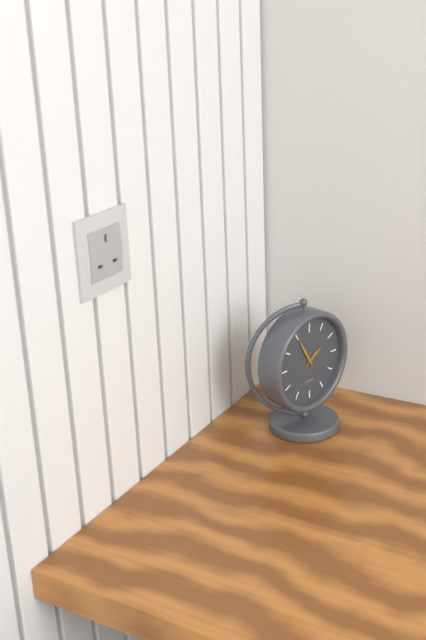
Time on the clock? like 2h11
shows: 1h55
